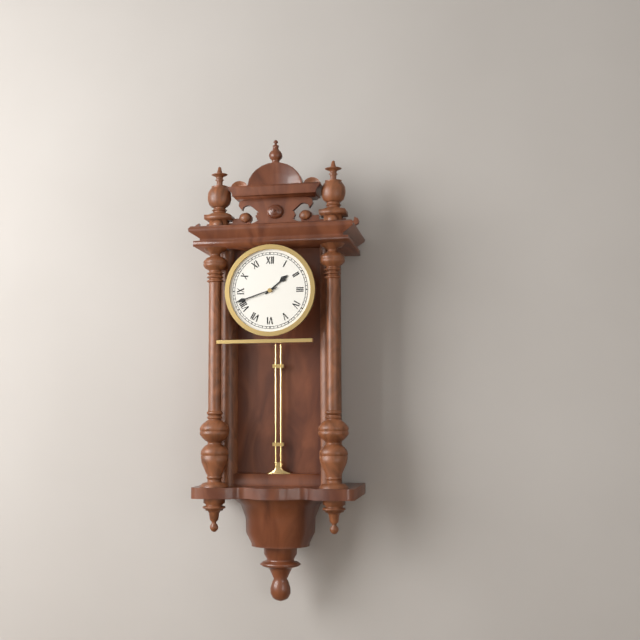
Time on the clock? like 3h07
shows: 1h42
